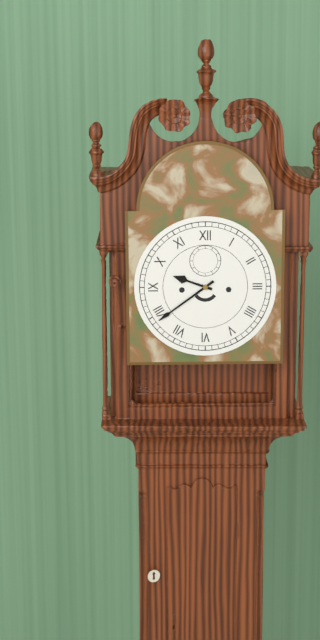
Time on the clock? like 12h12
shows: 9h39
